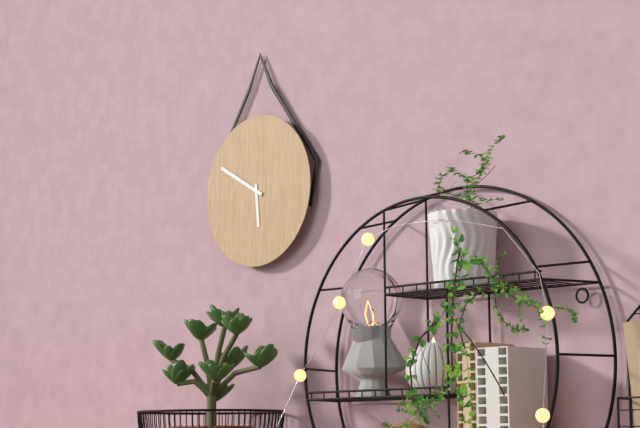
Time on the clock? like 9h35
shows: 5h50
